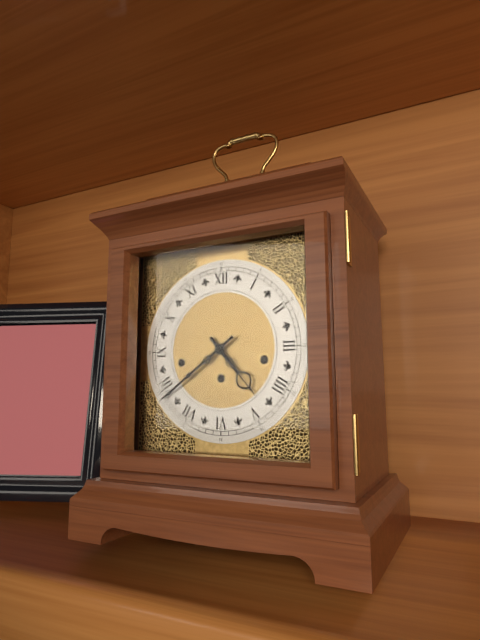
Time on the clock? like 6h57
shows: 4h39
